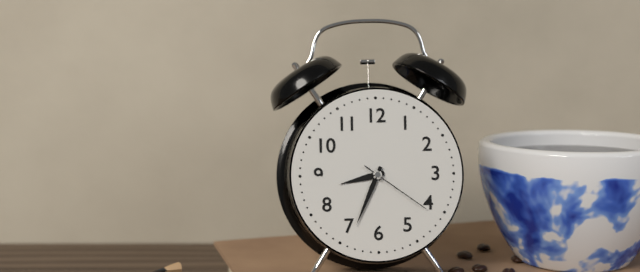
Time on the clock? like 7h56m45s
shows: 8h34m21s
